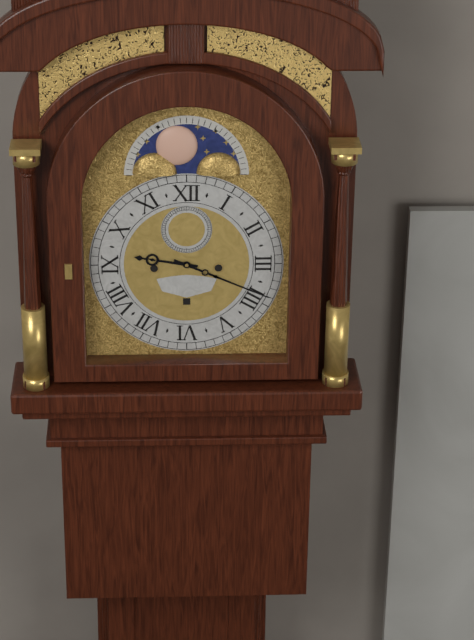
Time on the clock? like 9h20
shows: 9h19
